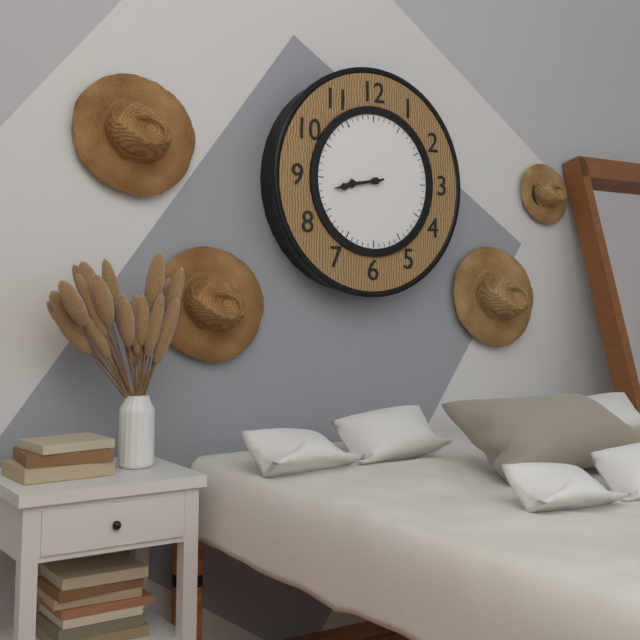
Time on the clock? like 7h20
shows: 8h43
